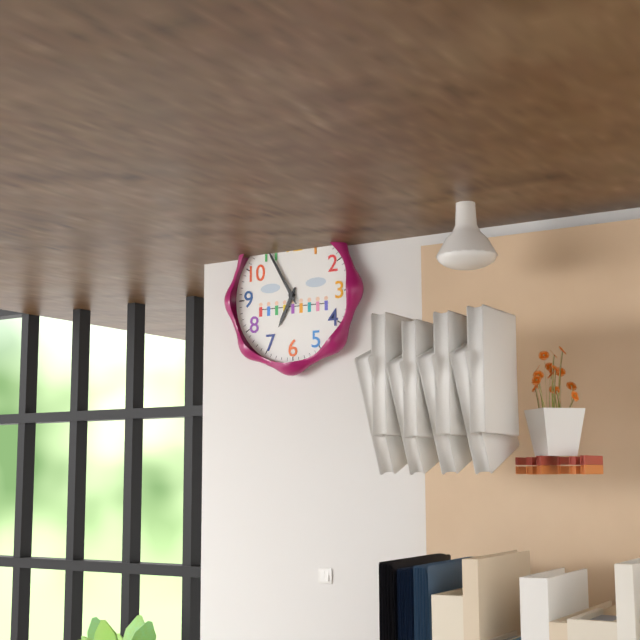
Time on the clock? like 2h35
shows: 6h55
